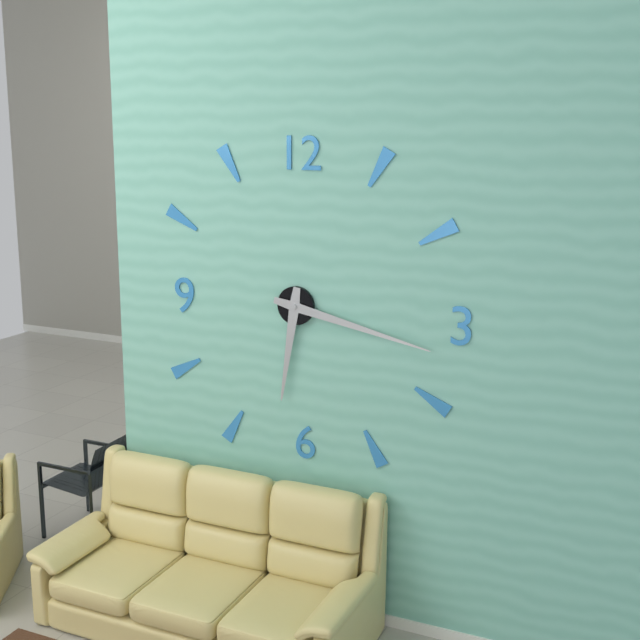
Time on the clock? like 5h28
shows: 6h17
